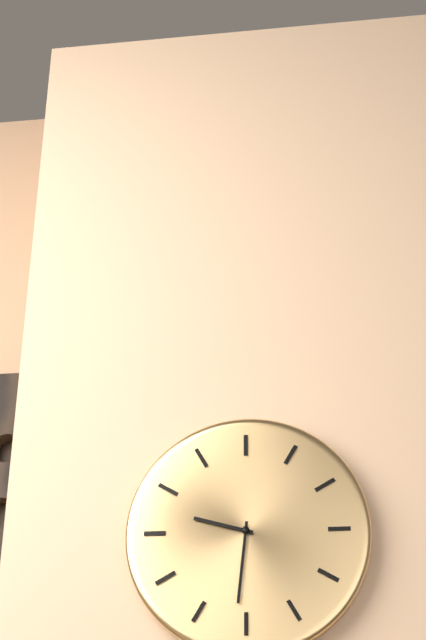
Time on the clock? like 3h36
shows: 9h31
